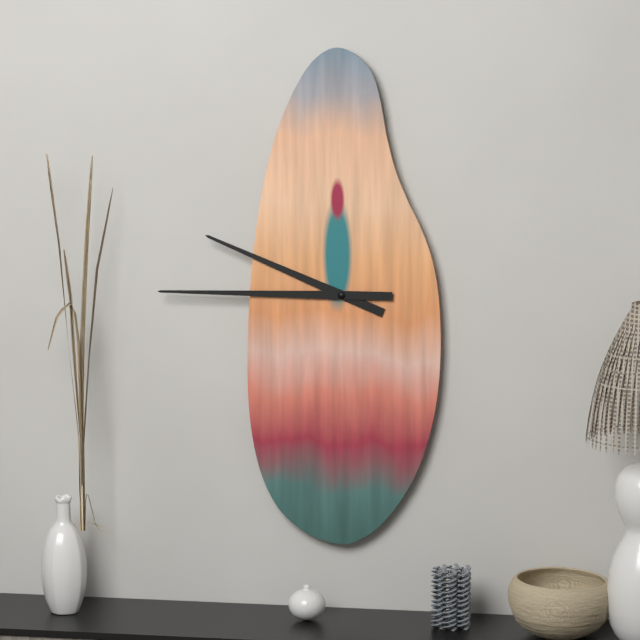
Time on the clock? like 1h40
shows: 9h45
